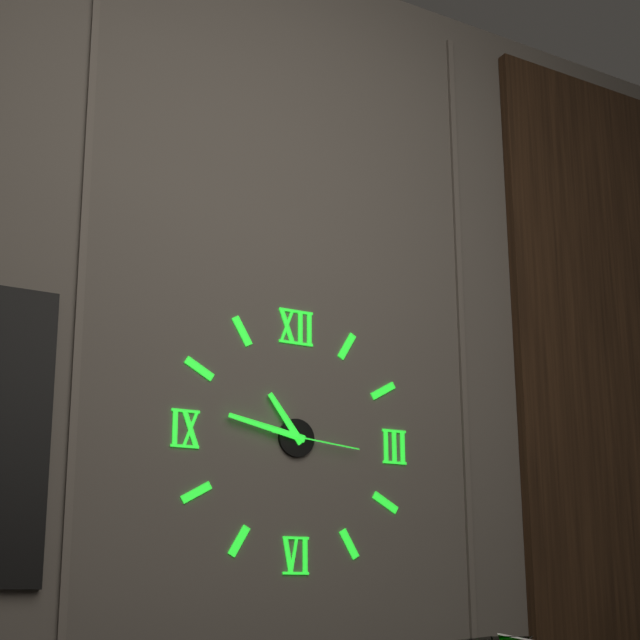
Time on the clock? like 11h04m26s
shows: 10h47m16s
